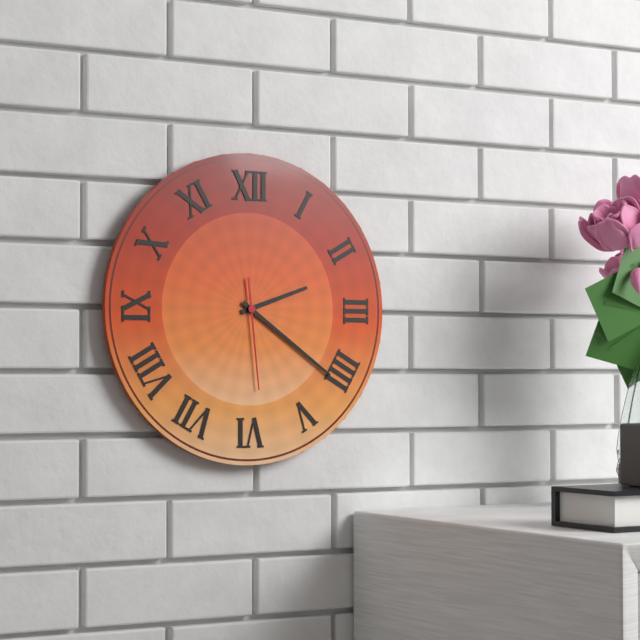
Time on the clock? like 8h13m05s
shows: 2h21m29s
